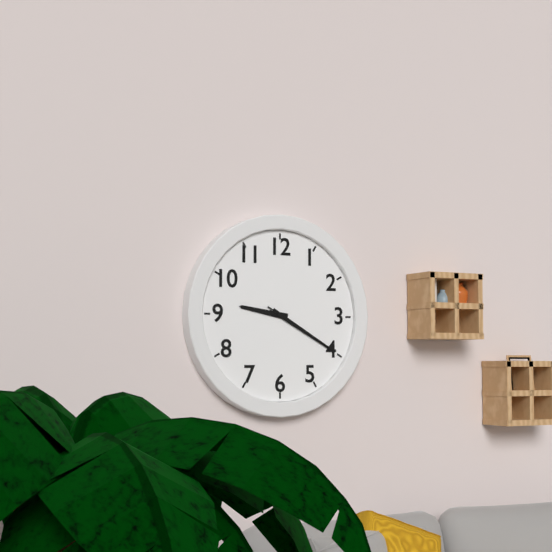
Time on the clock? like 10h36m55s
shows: 9h20m20s
